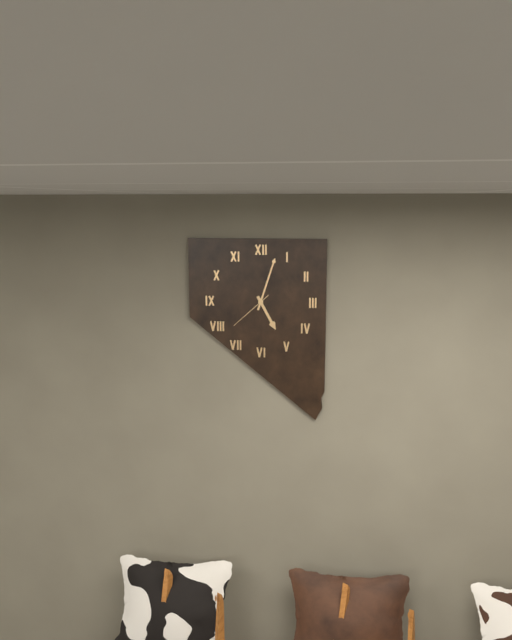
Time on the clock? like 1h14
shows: 5h03
